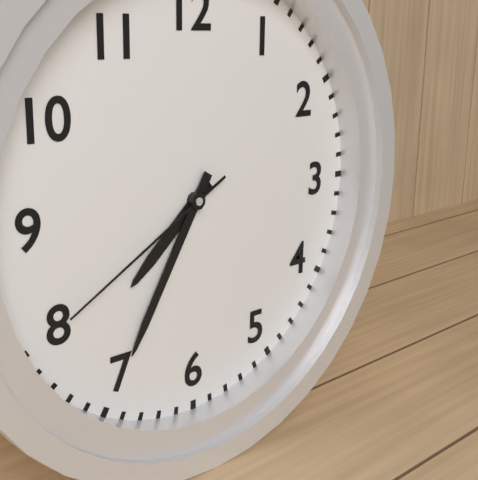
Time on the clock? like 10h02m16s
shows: 7h35m40s
